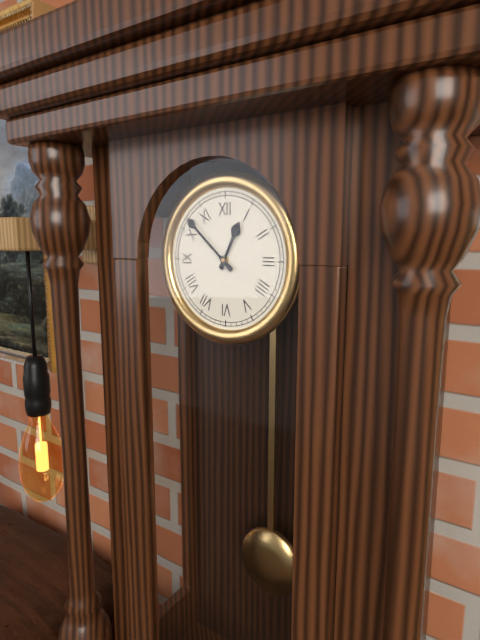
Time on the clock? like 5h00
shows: 12h52
